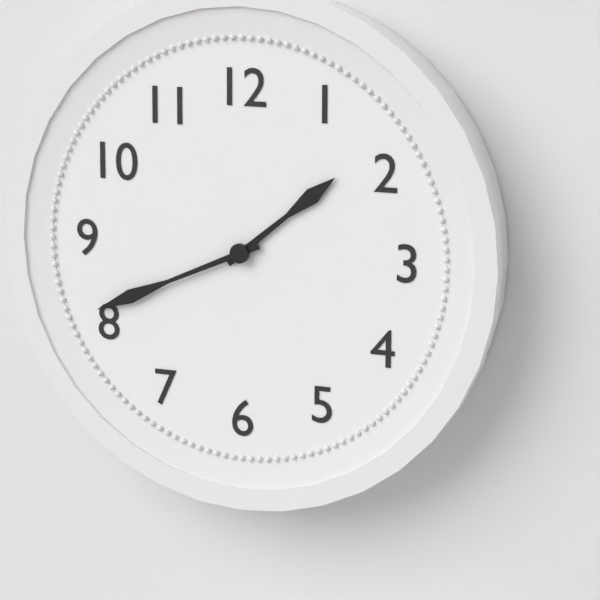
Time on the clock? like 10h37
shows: 1h41
